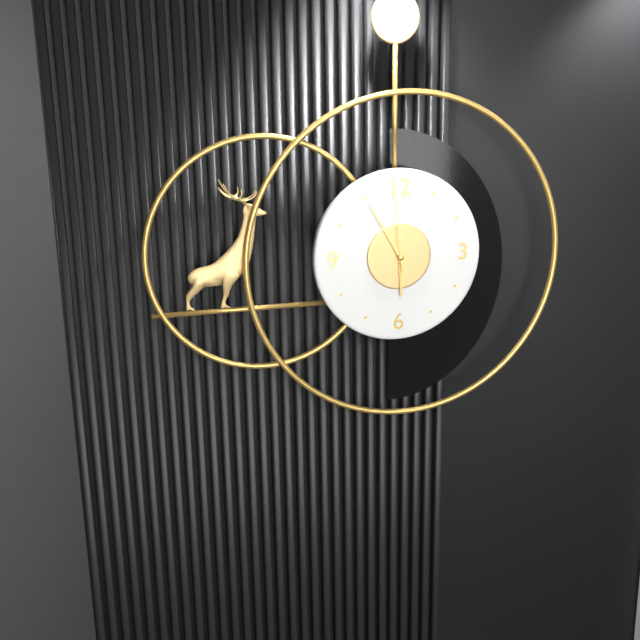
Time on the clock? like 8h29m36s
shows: 5h55m59s
